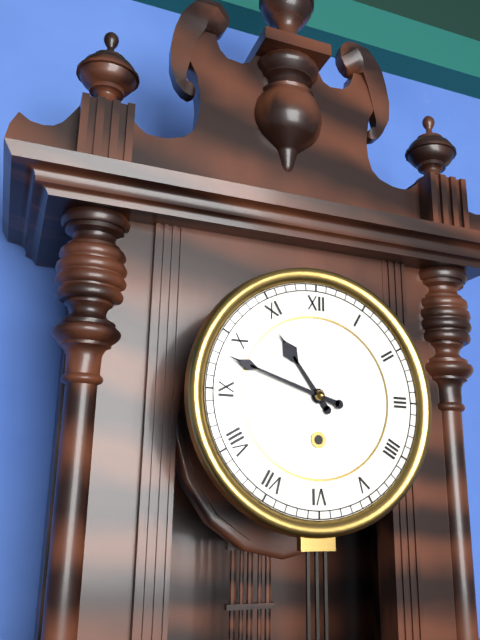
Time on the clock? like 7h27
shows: 10h48
